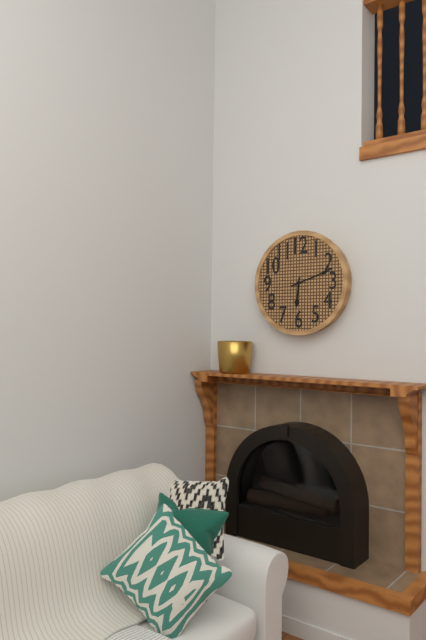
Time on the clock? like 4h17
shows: 6h12
